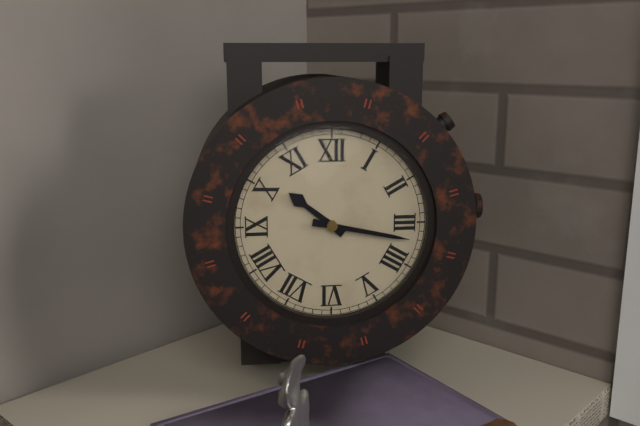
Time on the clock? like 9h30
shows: 10h17
